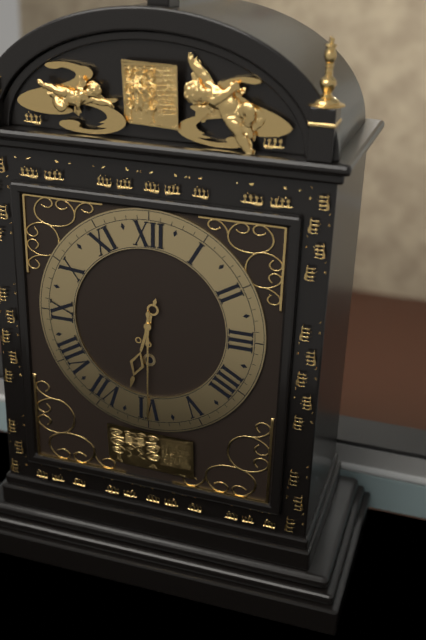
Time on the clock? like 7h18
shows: 6h30
